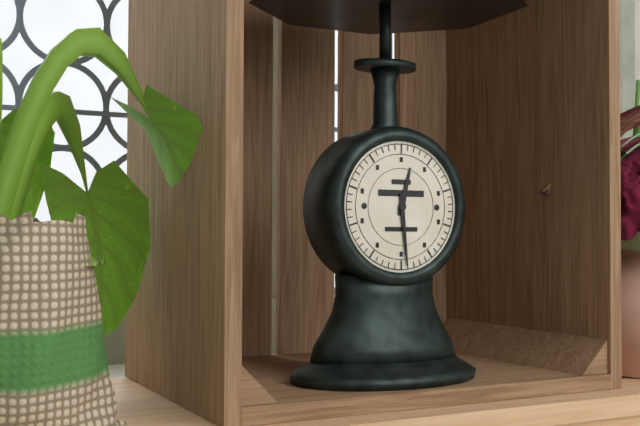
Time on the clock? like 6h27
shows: 12h29
